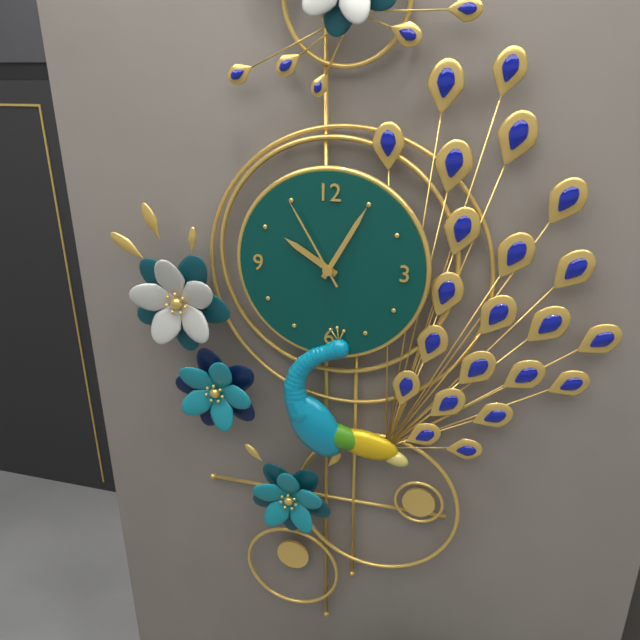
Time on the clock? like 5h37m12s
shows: 10h05m55s
